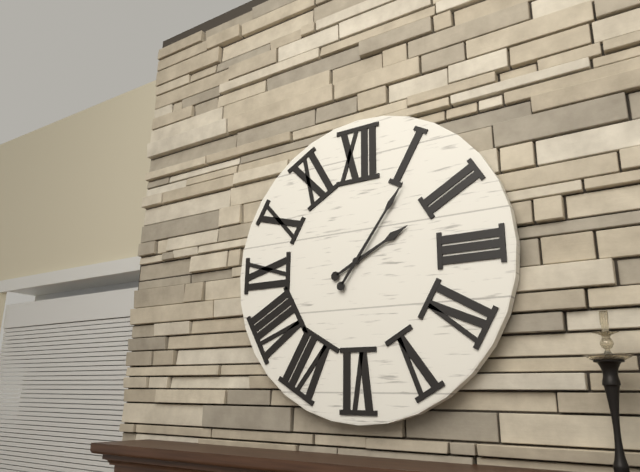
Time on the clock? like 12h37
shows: 2h06
